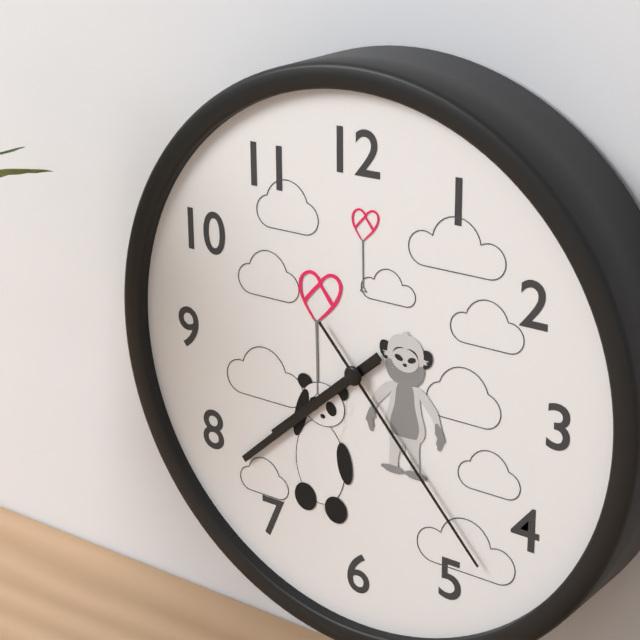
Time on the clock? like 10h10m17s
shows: 7h38m23s
